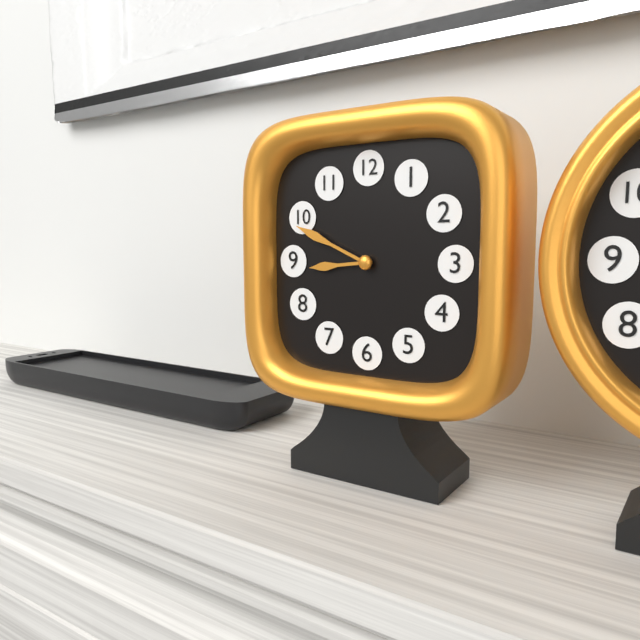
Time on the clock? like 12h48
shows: 8h49
